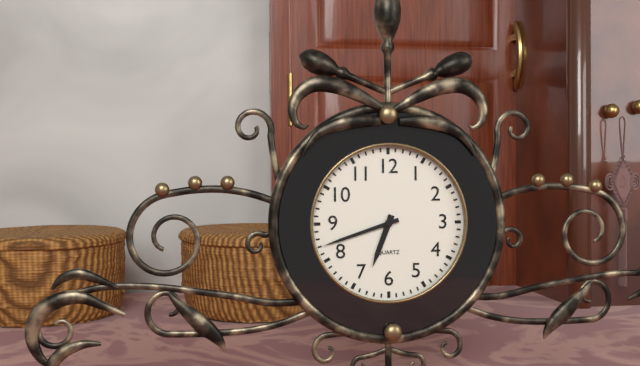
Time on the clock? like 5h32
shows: 6h42
